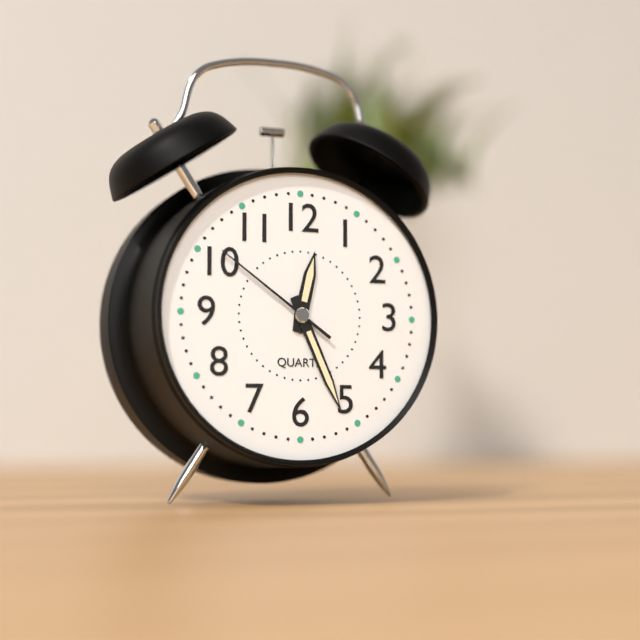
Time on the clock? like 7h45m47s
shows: 12h26m51s
